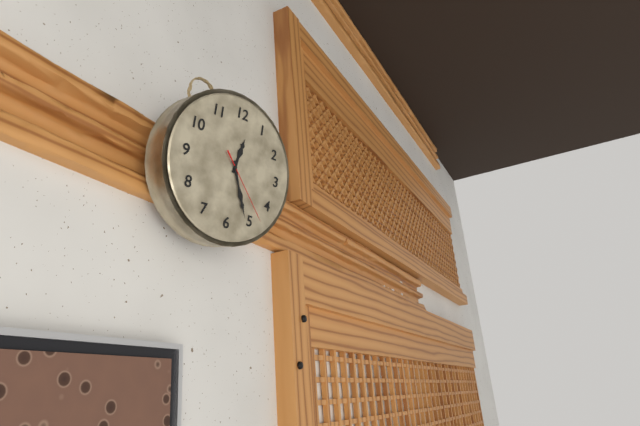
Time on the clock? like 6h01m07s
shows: 12h26m23s
